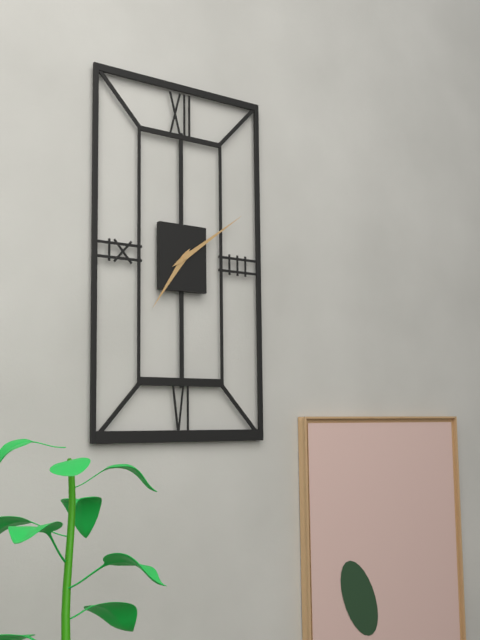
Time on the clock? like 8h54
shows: 7h09
